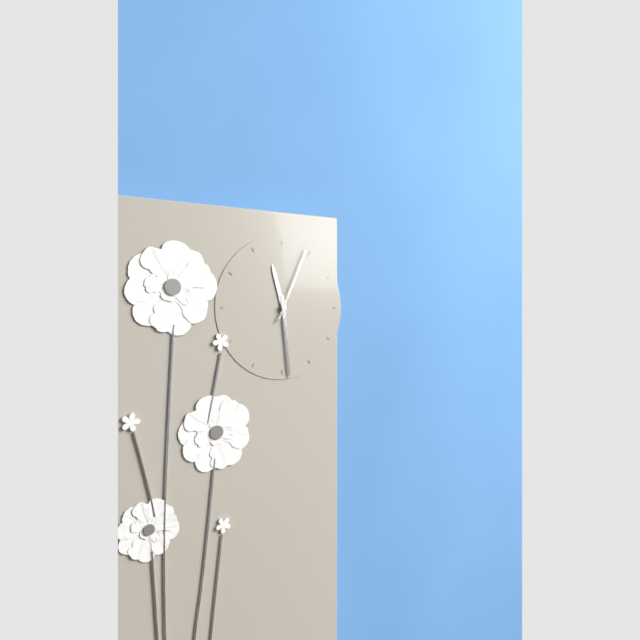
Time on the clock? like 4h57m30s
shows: 11h29m04s
